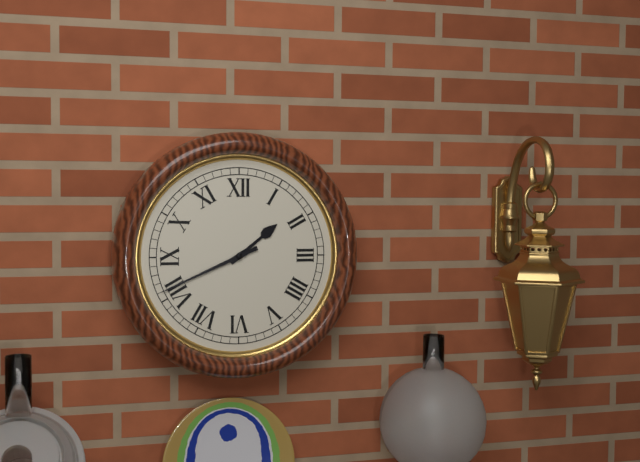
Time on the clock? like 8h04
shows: 1h41
